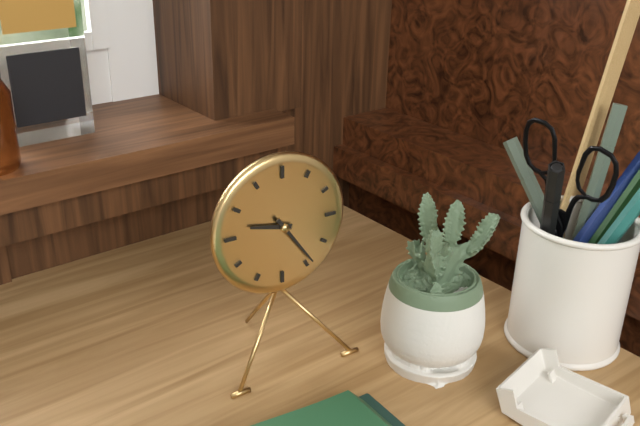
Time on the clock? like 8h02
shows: 9h24
